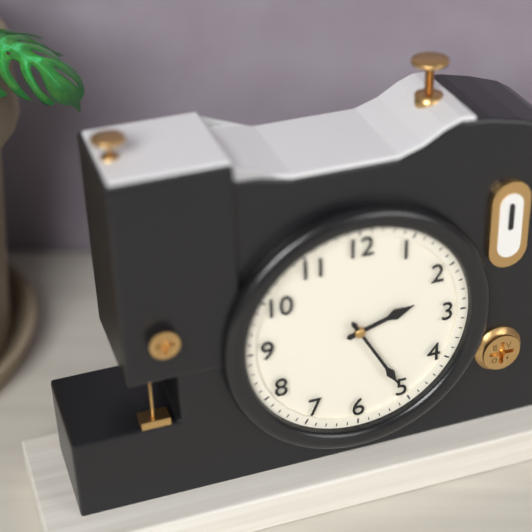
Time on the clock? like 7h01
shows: 2h25
